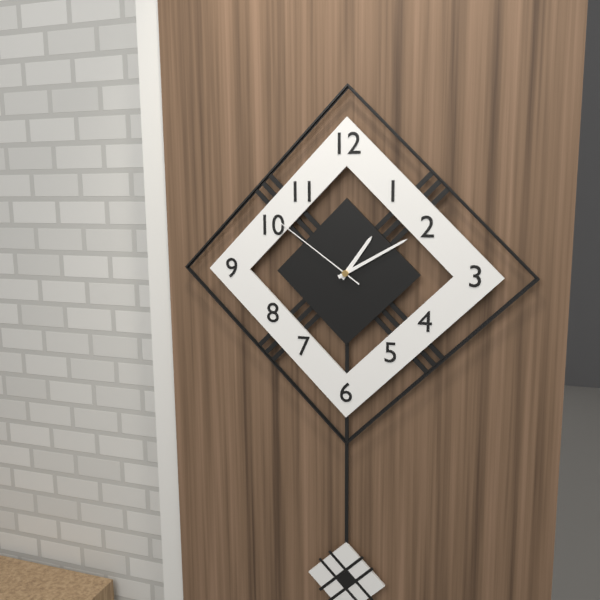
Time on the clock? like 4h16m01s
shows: 1h10m51s
